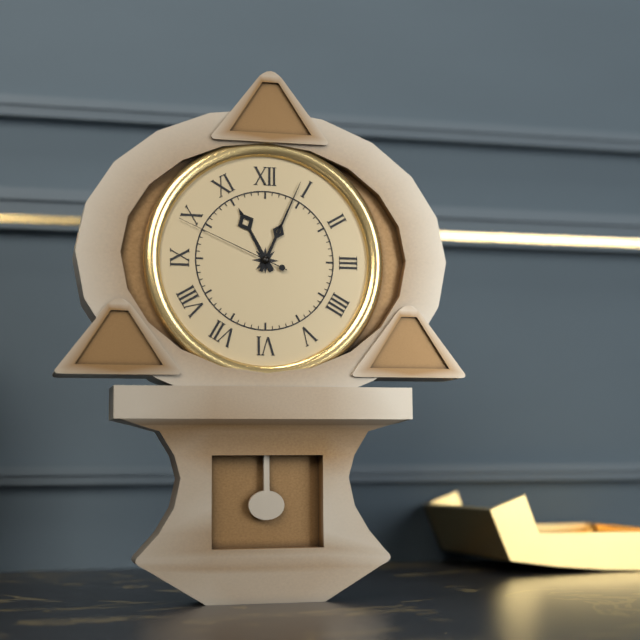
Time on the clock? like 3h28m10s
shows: 11h04m49s
